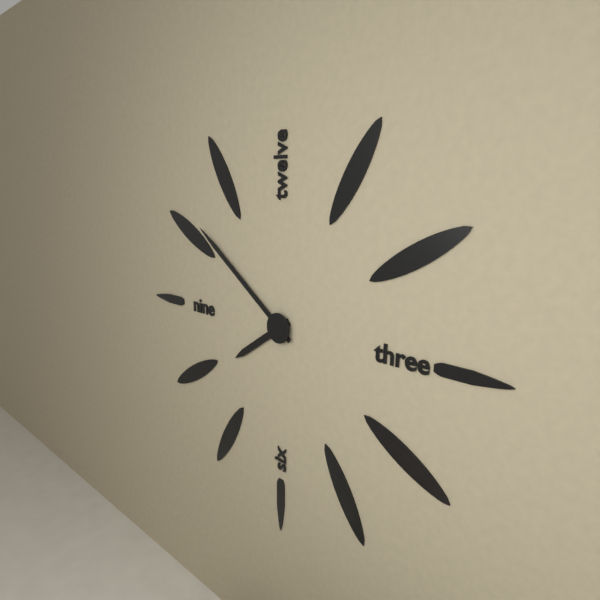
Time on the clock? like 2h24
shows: 7h51
